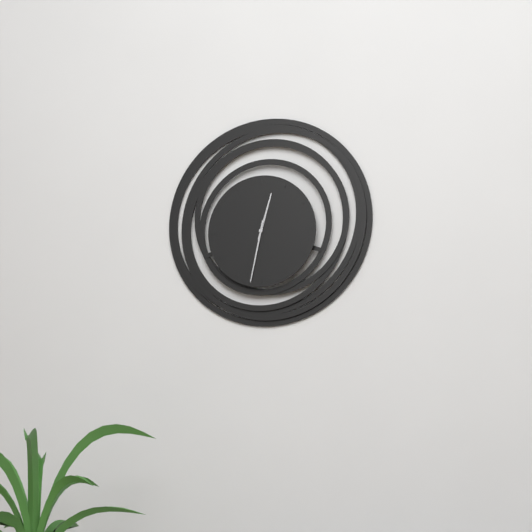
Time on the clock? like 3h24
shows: 12h32
